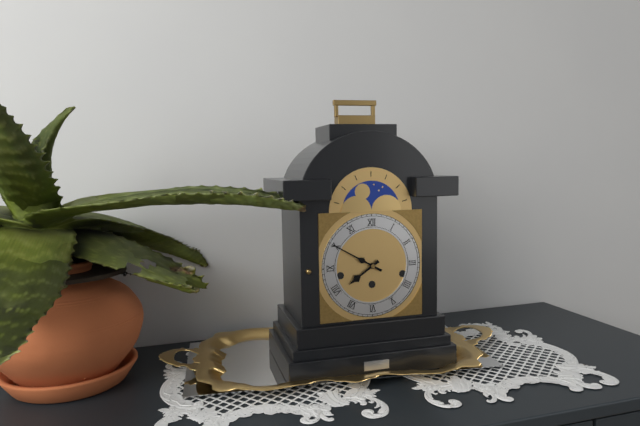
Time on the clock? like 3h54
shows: 7h50
